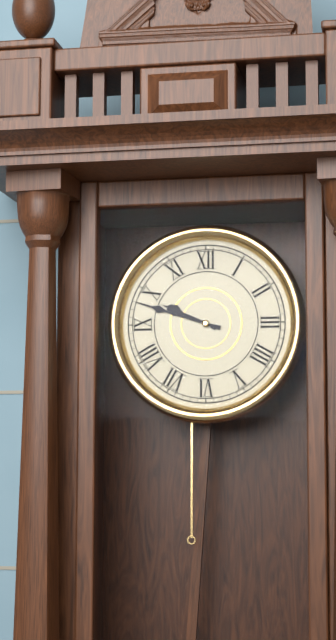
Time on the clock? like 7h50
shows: 9h48
